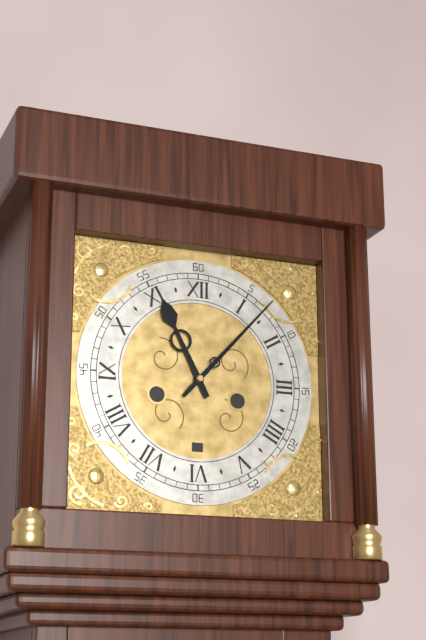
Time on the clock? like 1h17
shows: 11h07
